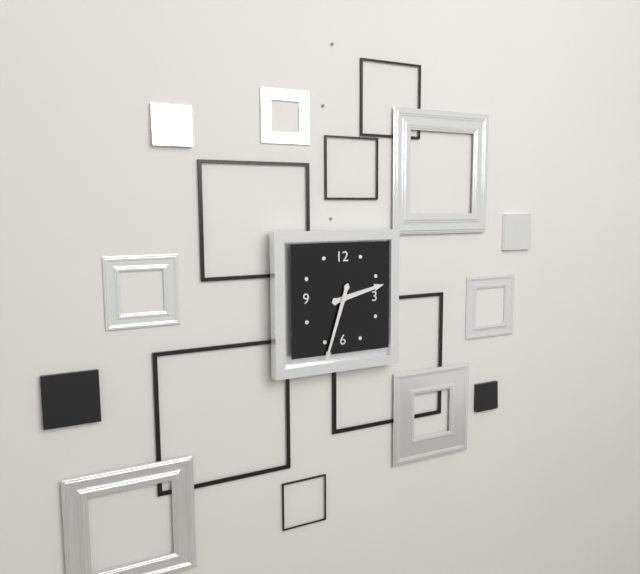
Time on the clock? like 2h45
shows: 2h33
